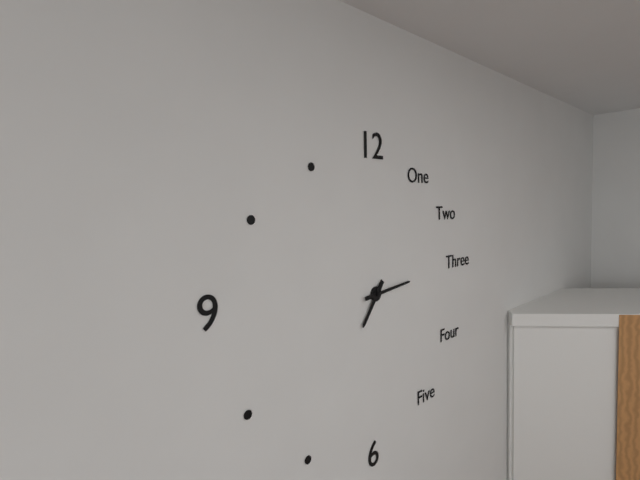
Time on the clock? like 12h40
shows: 7h14
